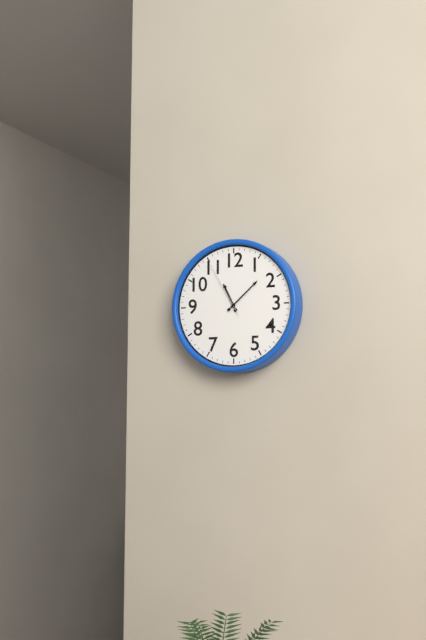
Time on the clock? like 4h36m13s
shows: 11h08m55s
